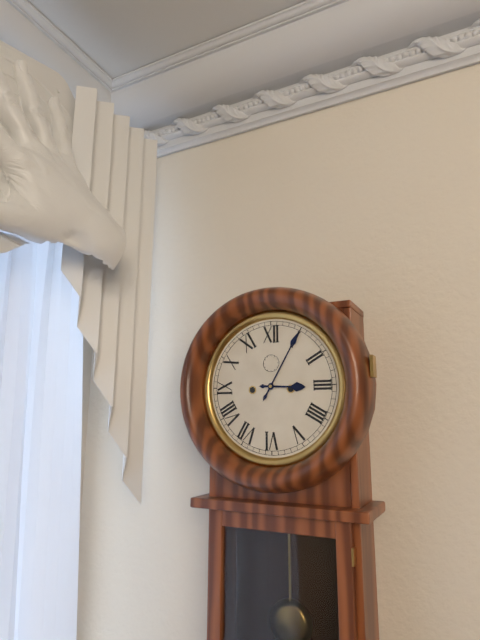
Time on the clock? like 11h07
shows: 3h05
